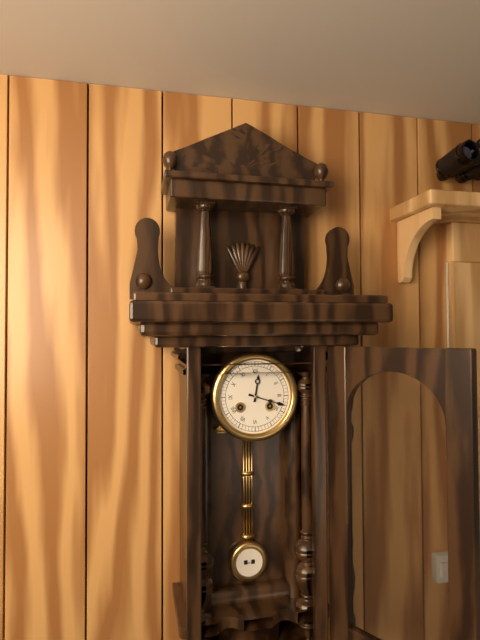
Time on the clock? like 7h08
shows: 12h18
